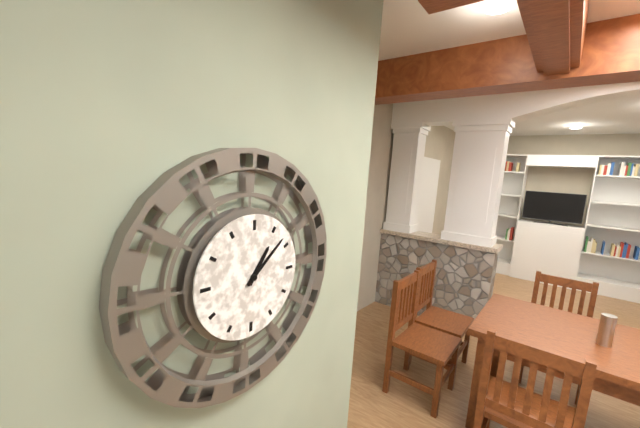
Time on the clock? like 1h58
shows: 1h08
